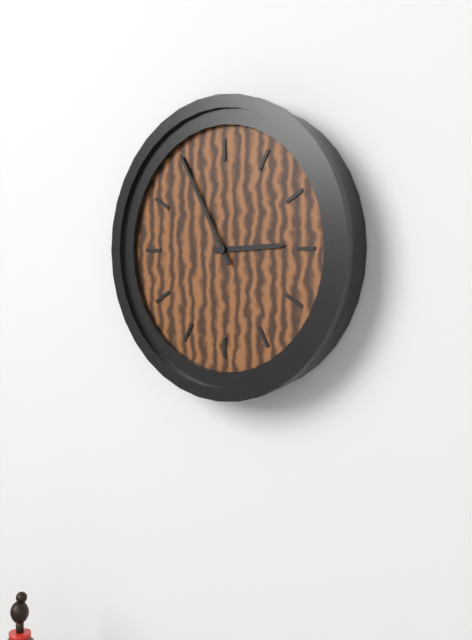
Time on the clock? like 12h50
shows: 2h55
